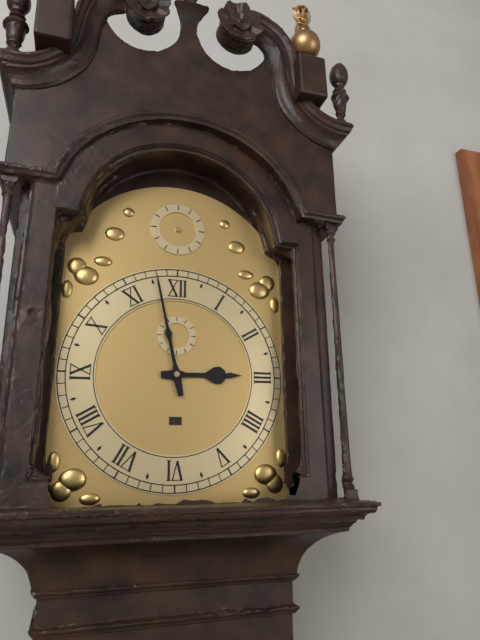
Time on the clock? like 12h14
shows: 2h58
